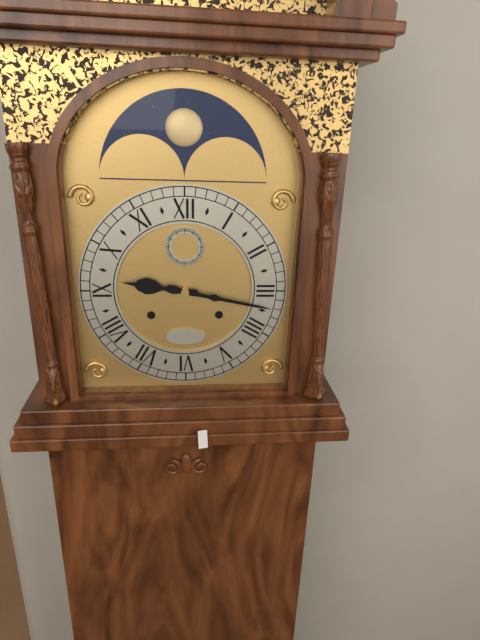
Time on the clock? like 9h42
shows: 9h17
